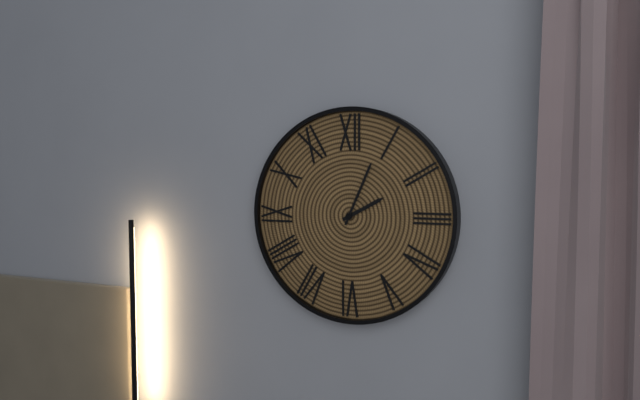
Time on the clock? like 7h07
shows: 2h04
